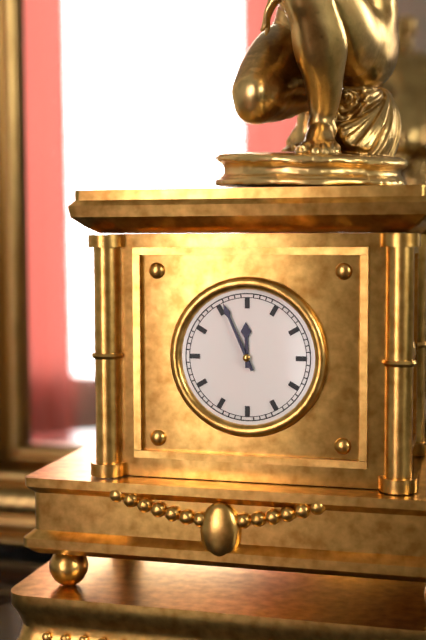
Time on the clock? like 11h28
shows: 11h56
